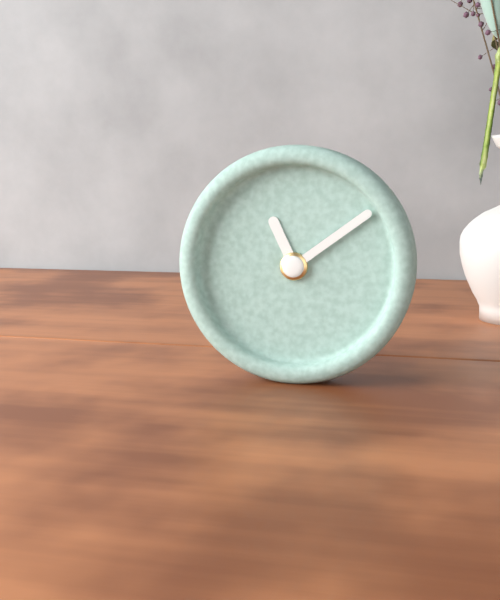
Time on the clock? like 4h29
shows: 11h09
